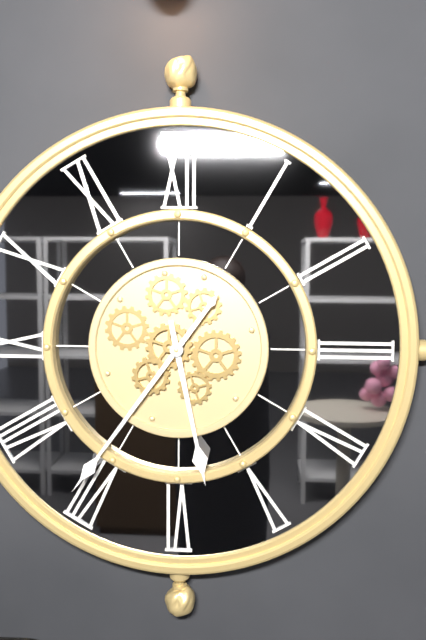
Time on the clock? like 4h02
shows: 5h36
